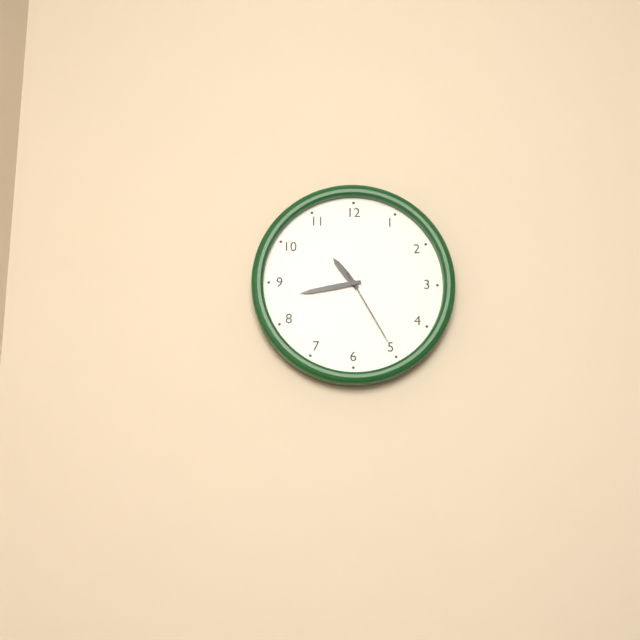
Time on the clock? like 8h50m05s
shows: 10h43m25s
